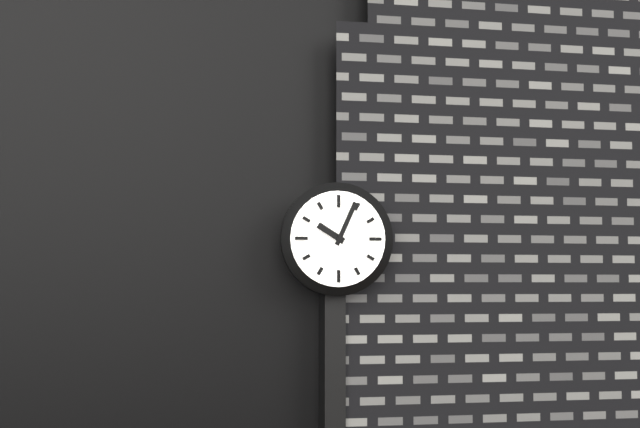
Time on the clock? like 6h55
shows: 10h04
